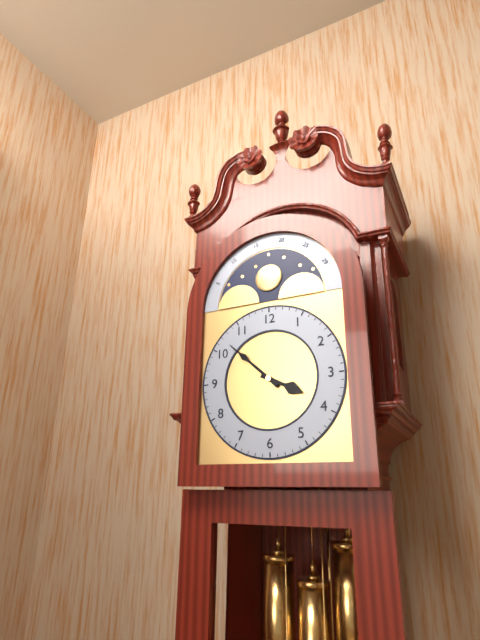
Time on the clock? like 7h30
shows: 3h52
